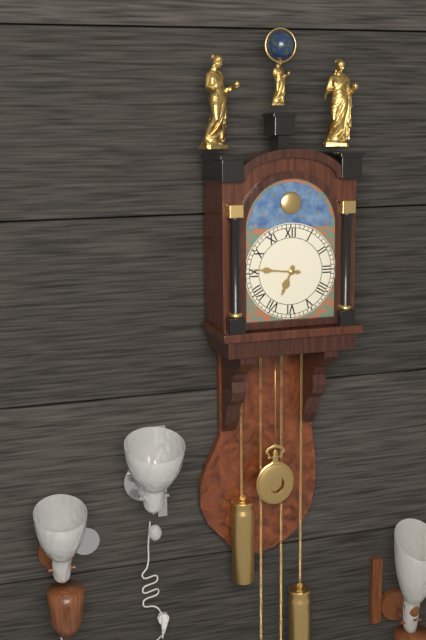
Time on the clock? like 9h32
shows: 6h46
